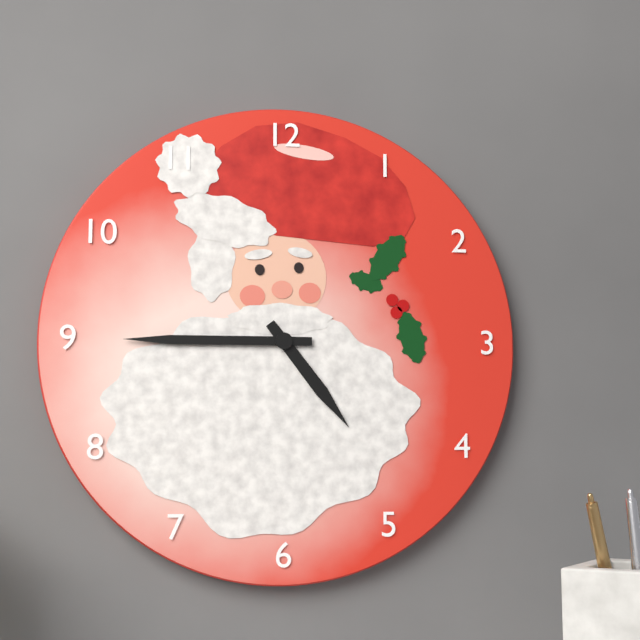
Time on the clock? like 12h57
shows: 4h45
